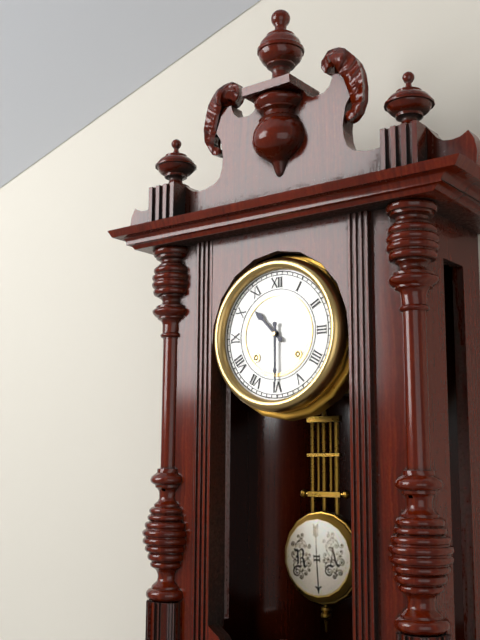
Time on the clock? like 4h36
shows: 10h30
